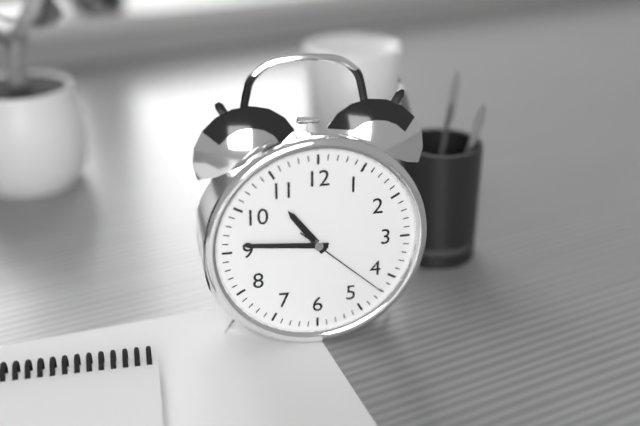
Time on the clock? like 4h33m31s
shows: 10h46m22s
